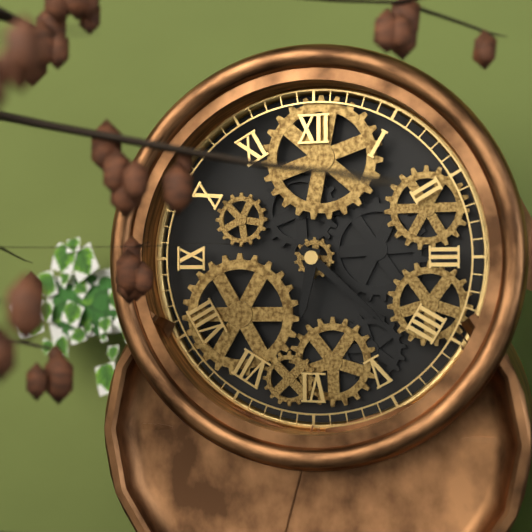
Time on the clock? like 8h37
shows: 6h22
